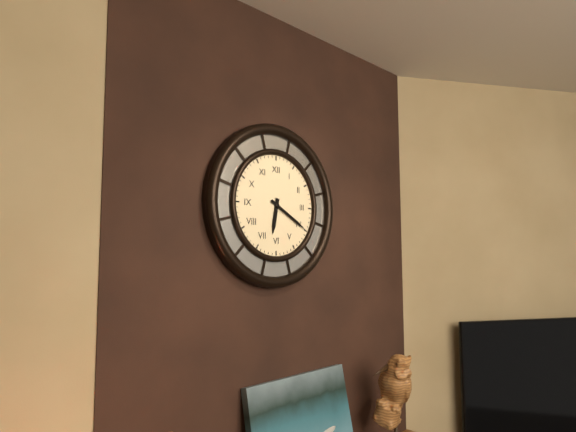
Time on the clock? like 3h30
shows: 6h20
